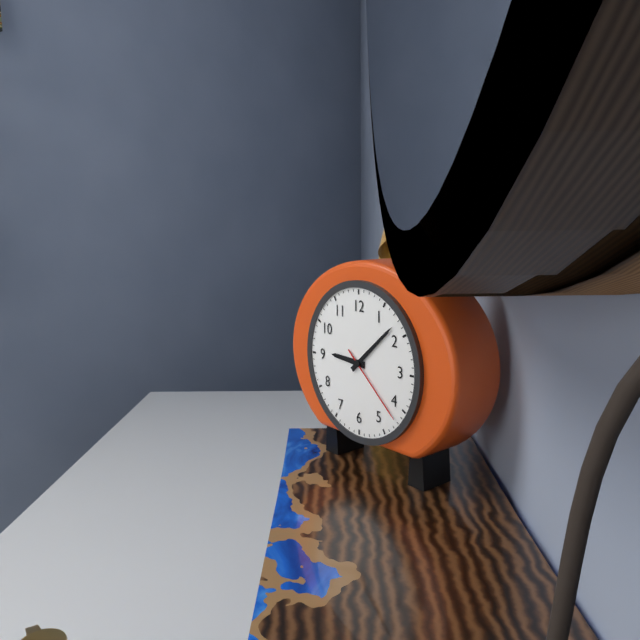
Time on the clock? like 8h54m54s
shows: 9h08m22s
